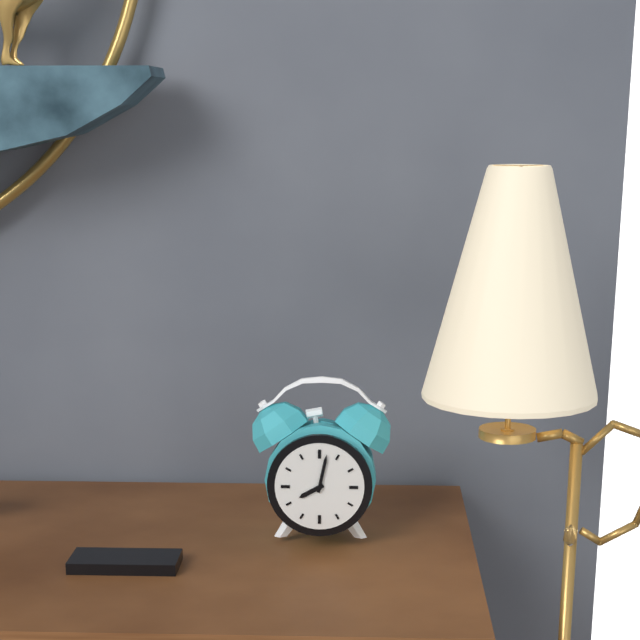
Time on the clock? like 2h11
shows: 8h02
